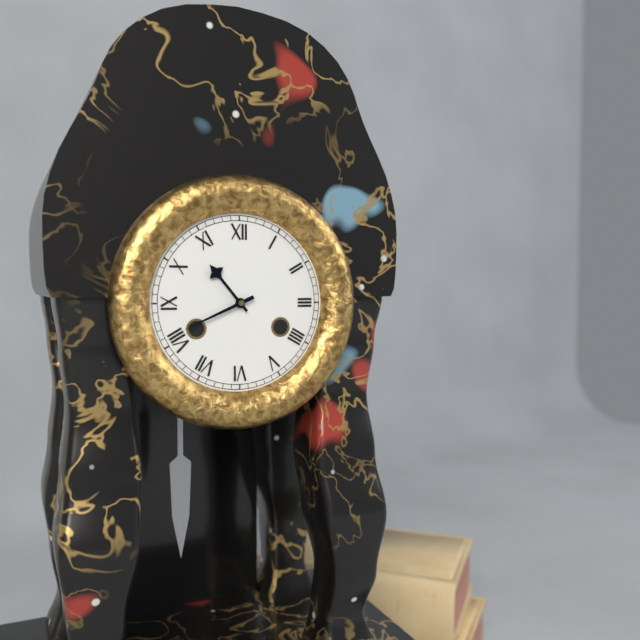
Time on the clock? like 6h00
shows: 10h41
